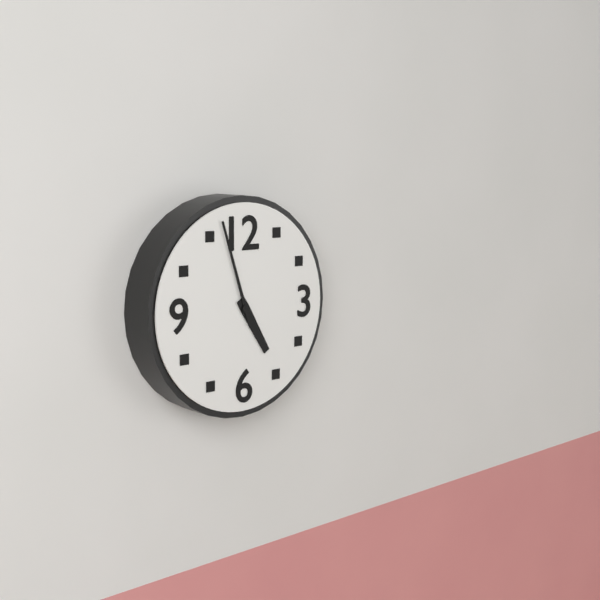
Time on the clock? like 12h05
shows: 4h57
